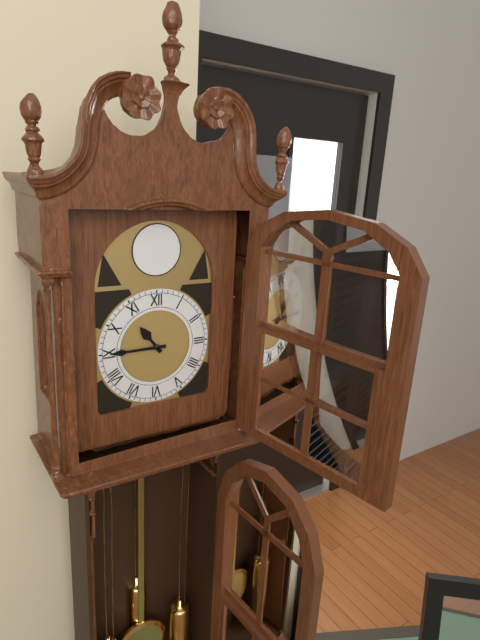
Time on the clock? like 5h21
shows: 10h45
